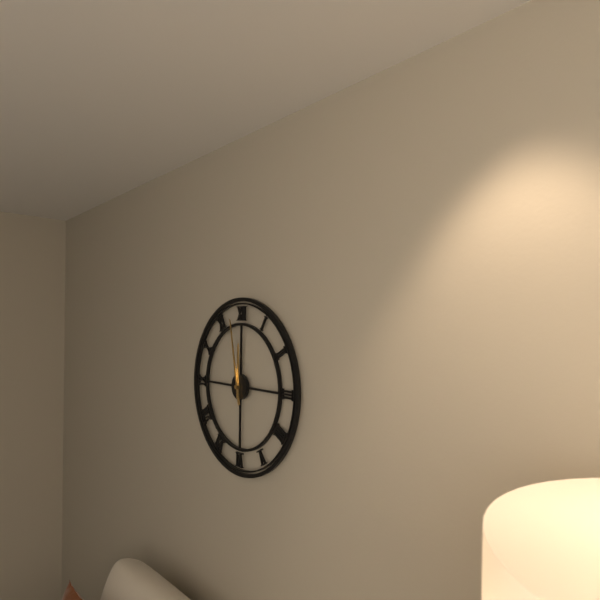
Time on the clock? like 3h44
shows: 11h58
